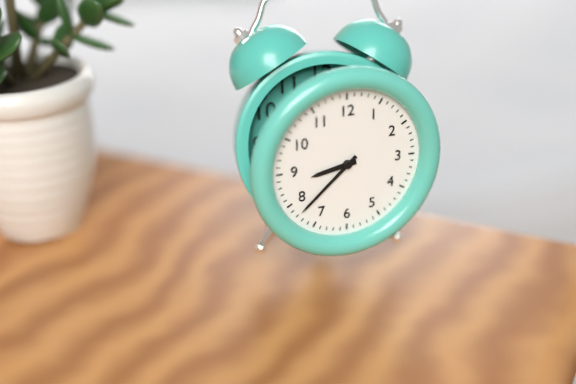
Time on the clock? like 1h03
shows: 8h38
